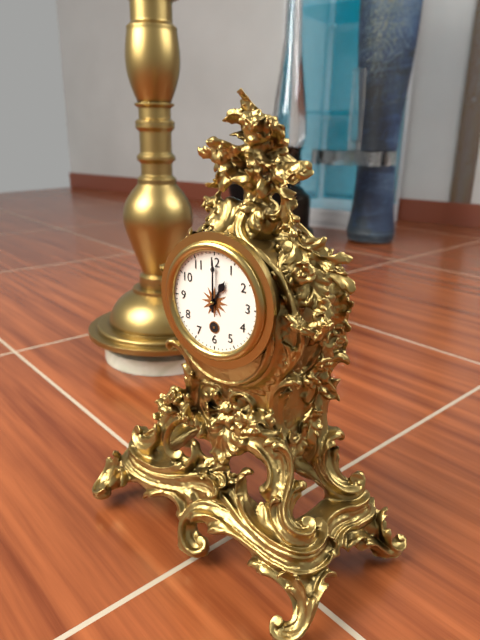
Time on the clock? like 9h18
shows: 1h00
